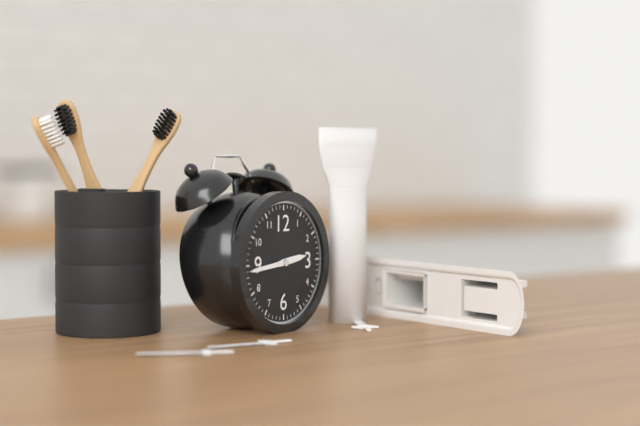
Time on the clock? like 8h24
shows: 2h44
